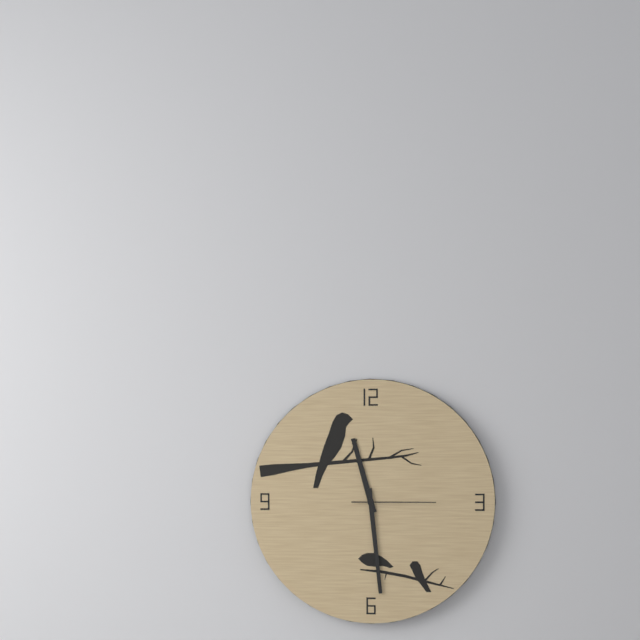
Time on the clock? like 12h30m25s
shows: 11h29m15s
